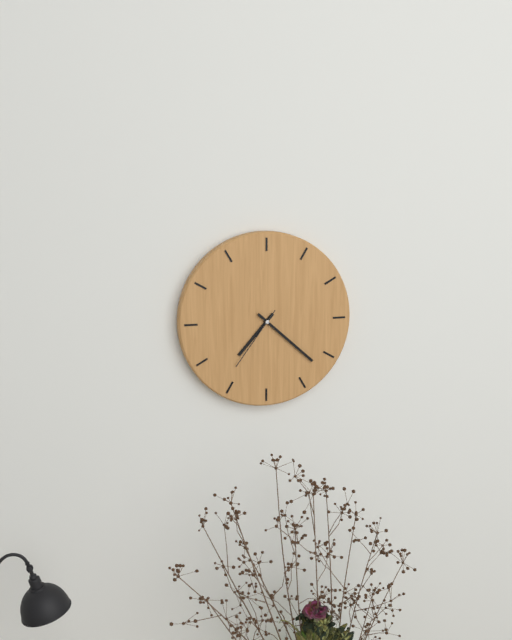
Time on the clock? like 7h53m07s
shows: 7h22m36s
